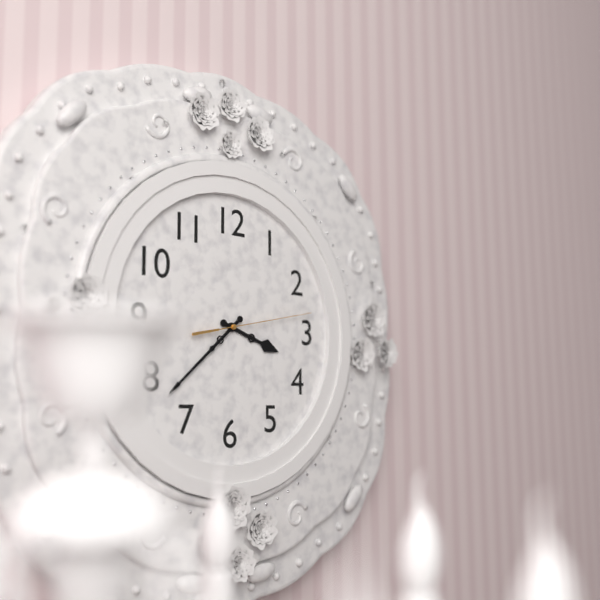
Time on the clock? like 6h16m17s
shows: 3h38m13s
